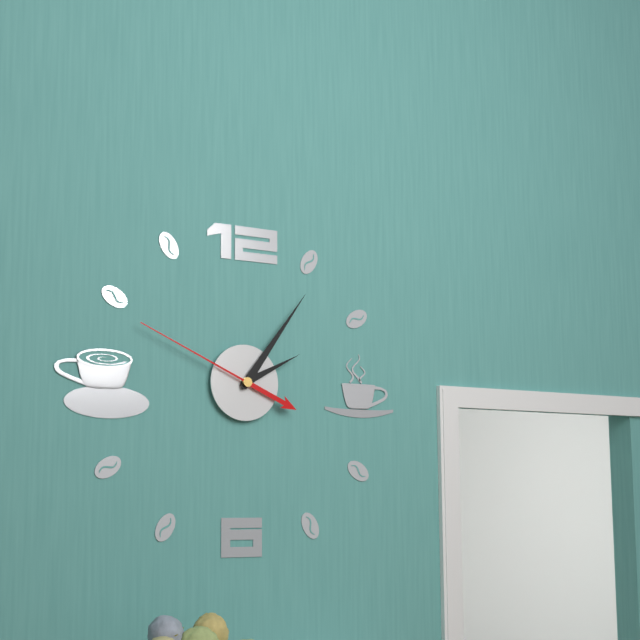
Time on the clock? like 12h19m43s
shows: 2h06m49s
